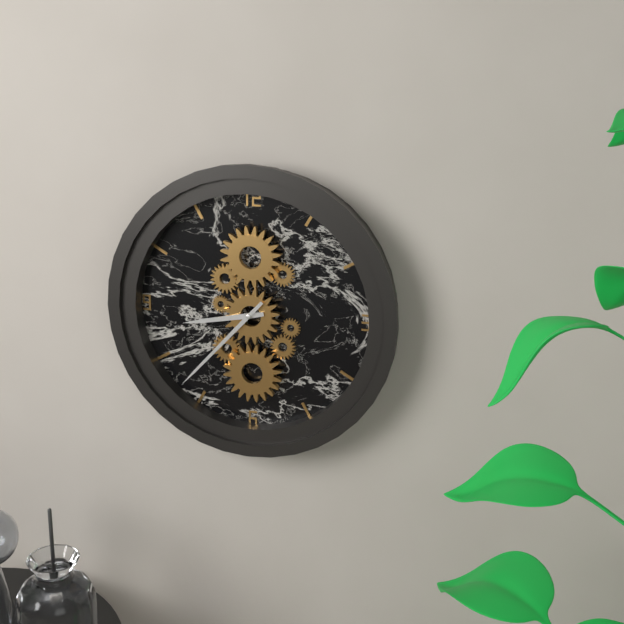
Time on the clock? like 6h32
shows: 8h37
